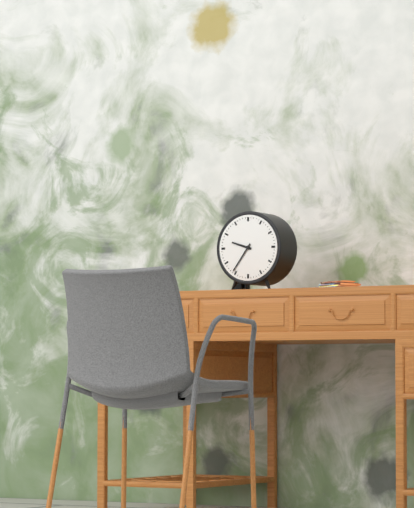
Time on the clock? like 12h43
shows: 9h36
